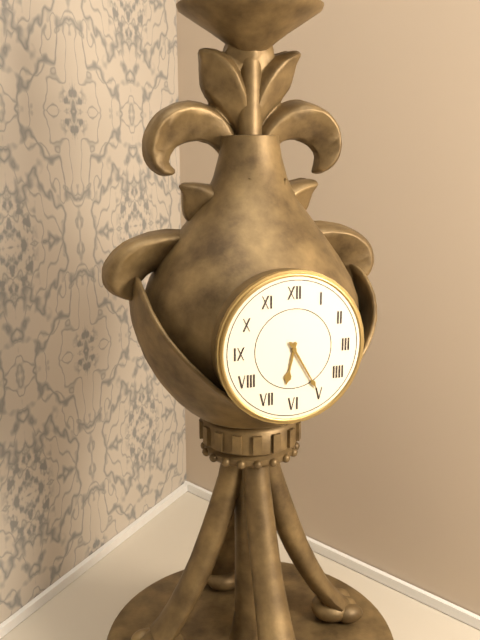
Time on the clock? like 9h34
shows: 6h25
